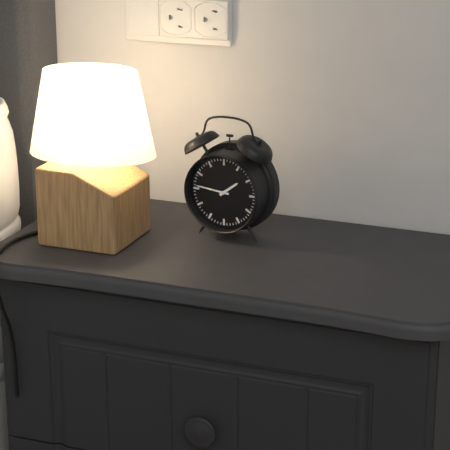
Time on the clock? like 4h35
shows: 1h46
